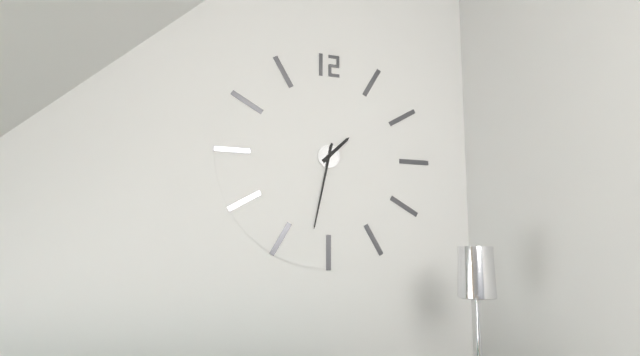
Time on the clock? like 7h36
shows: 1h32
